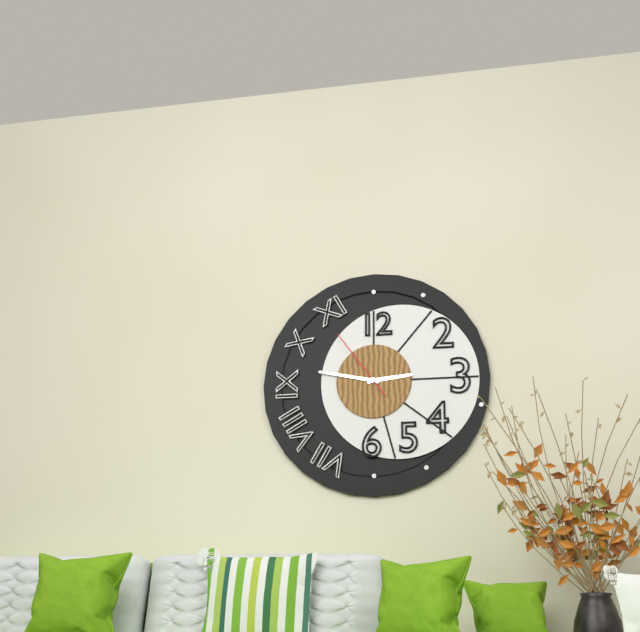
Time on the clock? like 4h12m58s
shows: 2h47m54s
